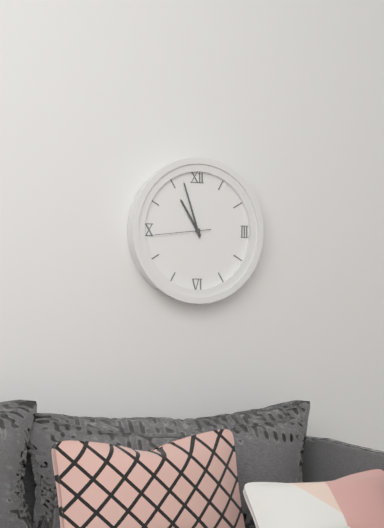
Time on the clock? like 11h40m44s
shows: 10h57m44s
